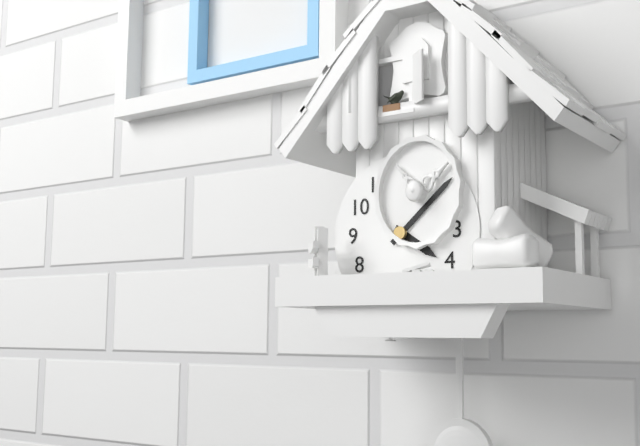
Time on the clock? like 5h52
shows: 4h08
